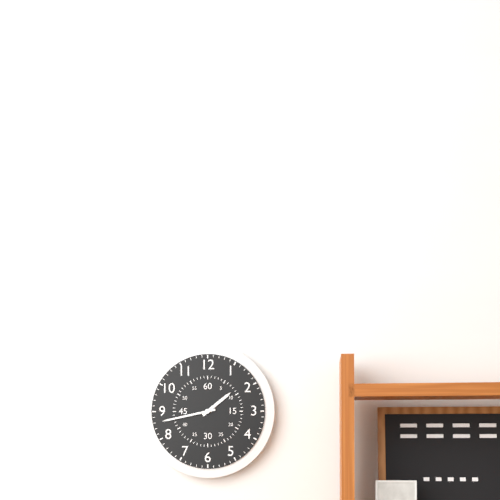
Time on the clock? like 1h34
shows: 1h43
